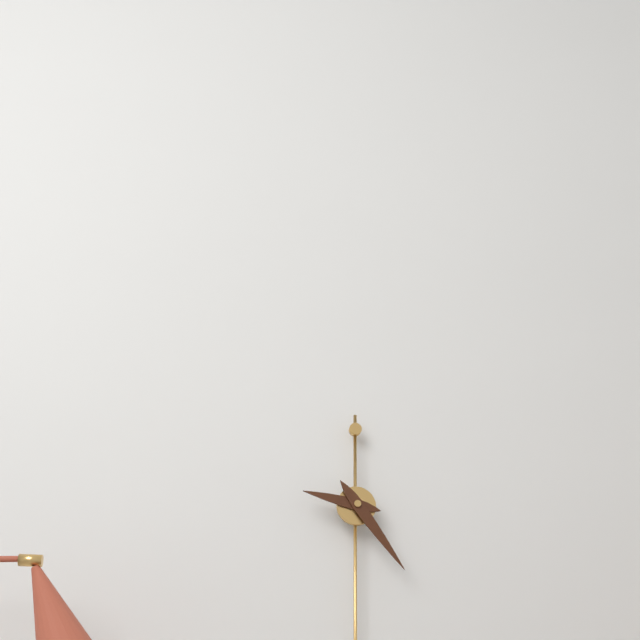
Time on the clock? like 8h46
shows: 9h24
